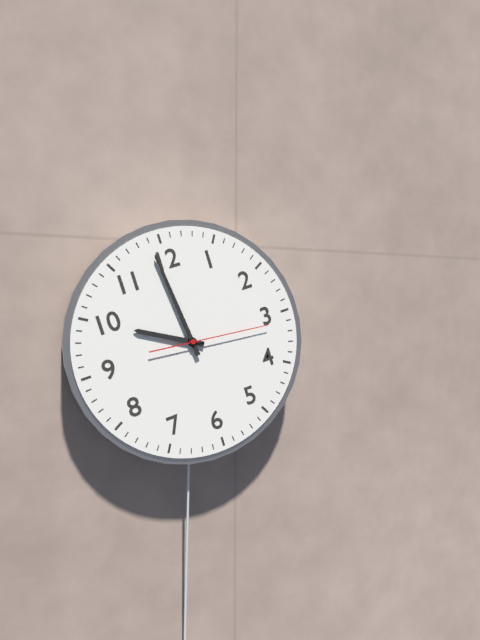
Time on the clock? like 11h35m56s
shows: 9h59m16s
